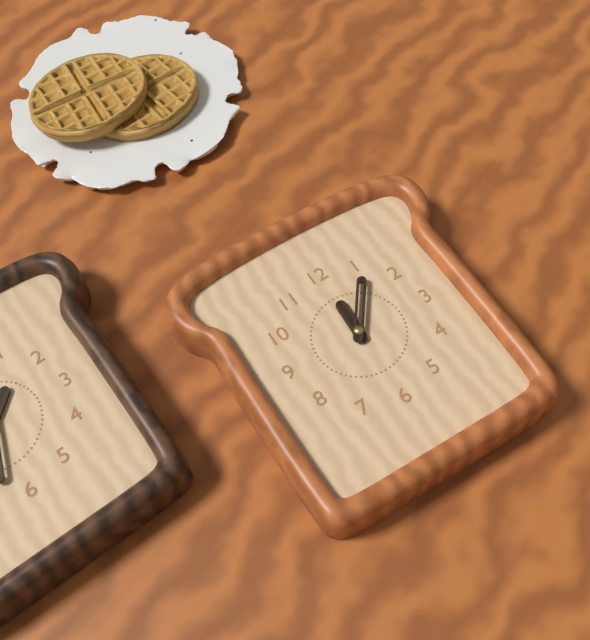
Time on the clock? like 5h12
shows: 12h06
